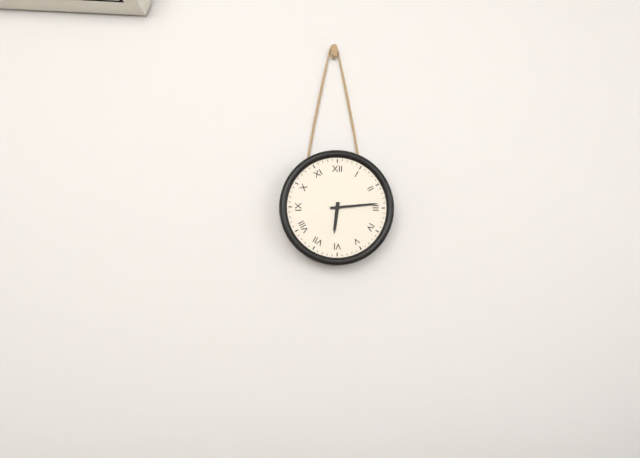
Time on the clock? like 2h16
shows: 6h14
